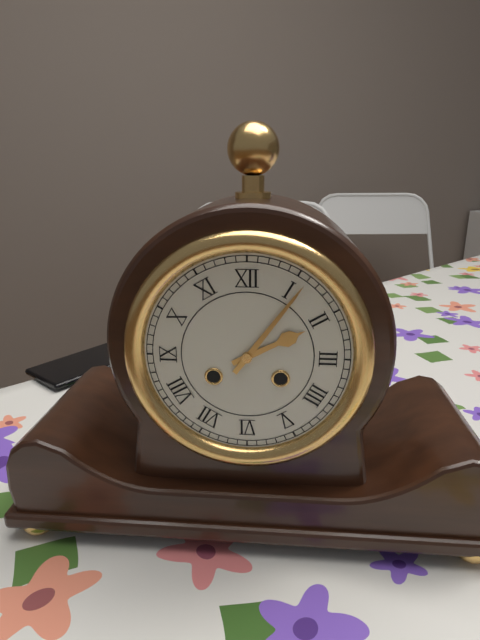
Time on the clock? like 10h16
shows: 2h06
